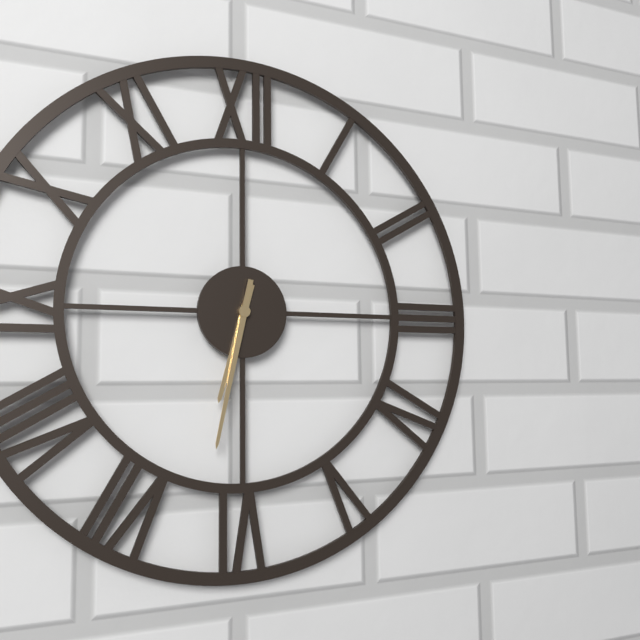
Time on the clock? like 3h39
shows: 6h32
